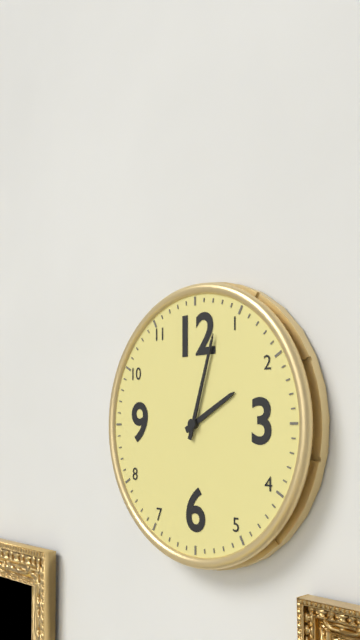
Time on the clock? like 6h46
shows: 2h03
